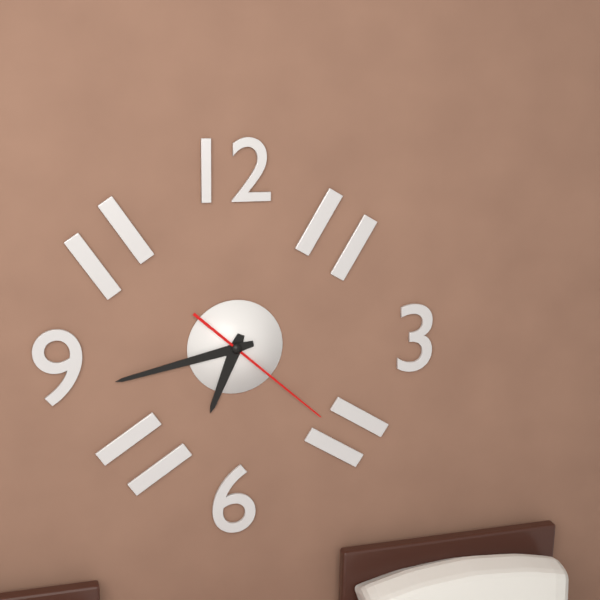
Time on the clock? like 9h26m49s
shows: 6h43m22s
